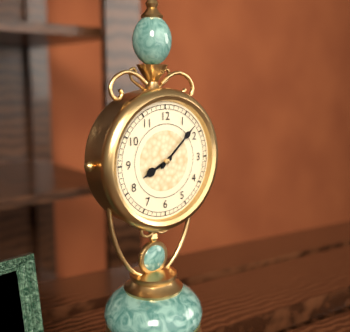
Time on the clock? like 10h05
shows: 8h08
